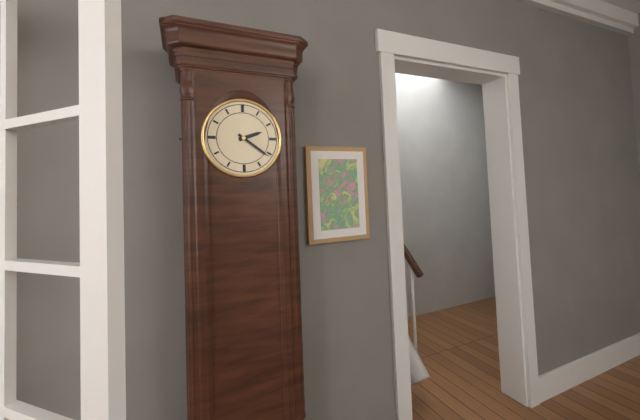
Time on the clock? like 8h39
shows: 2h21
